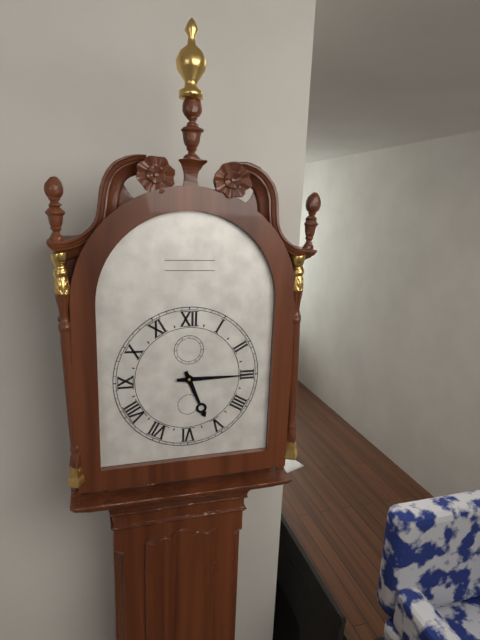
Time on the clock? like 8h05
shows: 5h15
